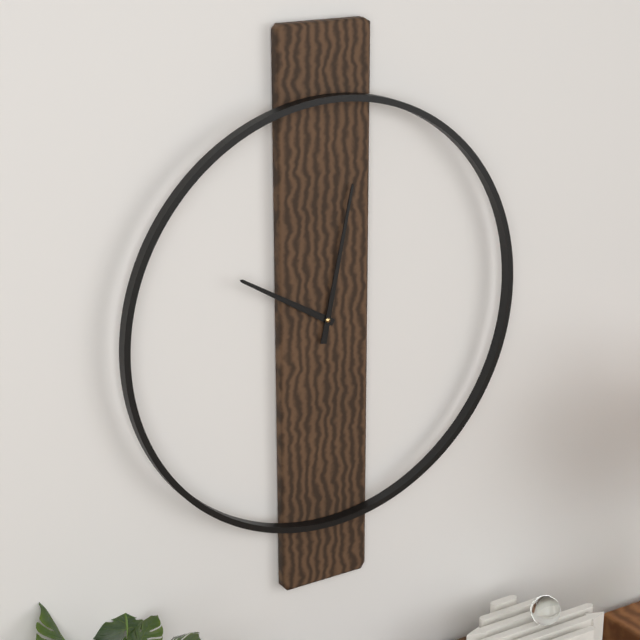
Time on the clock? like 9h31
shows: 10h02
